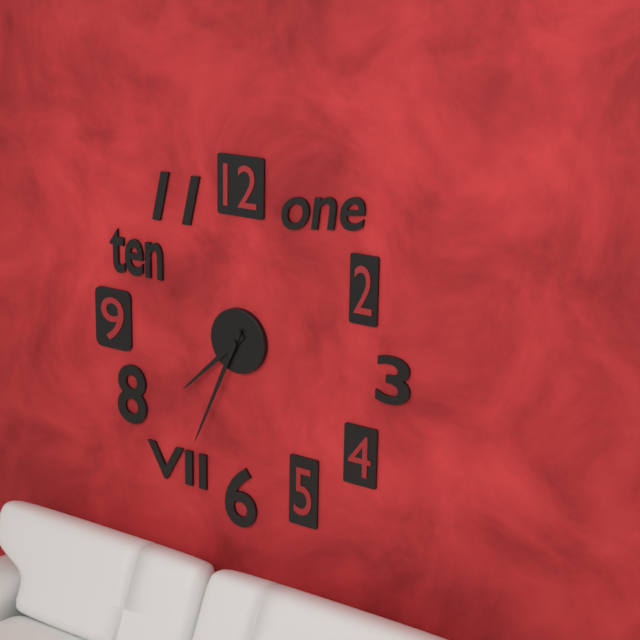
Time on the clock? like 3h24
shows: 7h34
